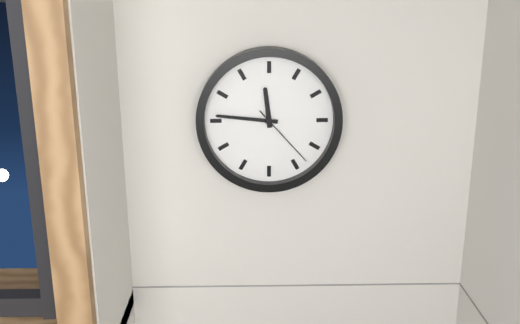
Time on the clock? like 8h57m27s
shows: 11h46m23s
